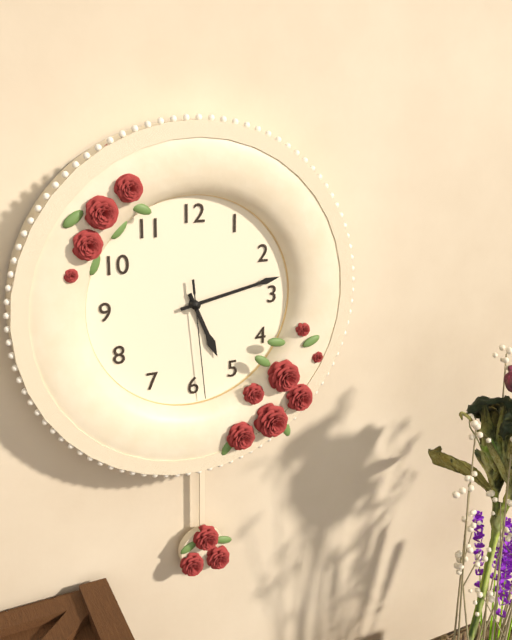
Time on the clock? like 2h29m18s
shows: 5h13m29s
